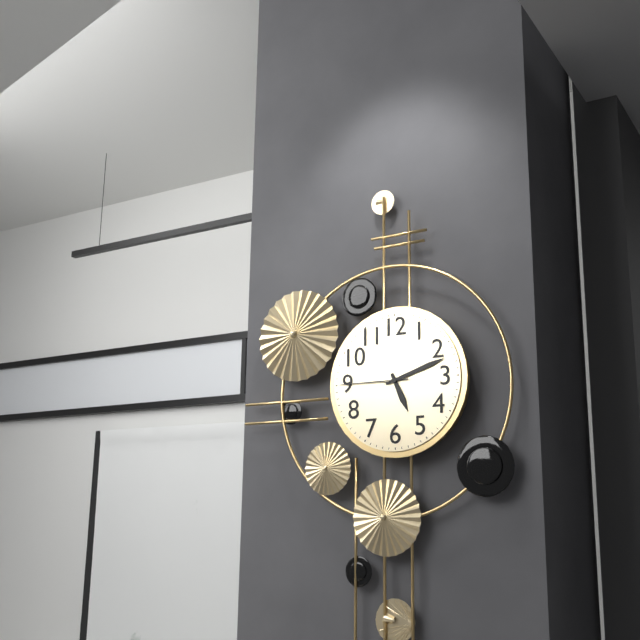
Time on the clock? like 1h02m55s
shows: 5h12m45s
